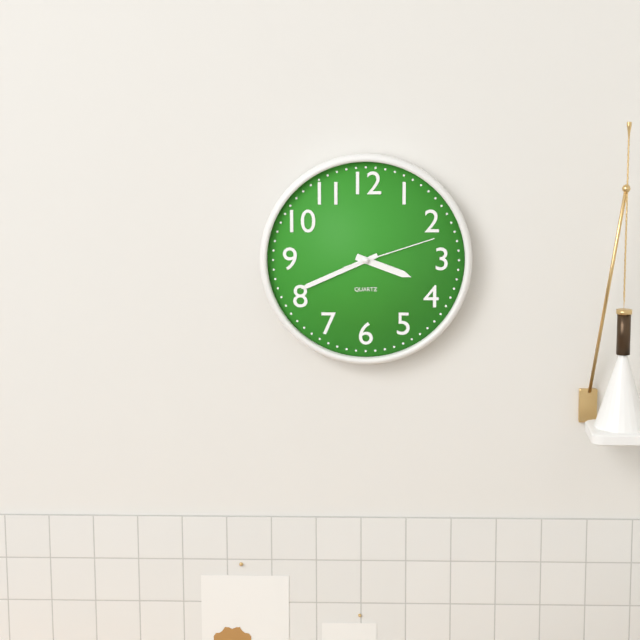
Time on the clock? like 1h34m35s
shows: 3h41m12s
